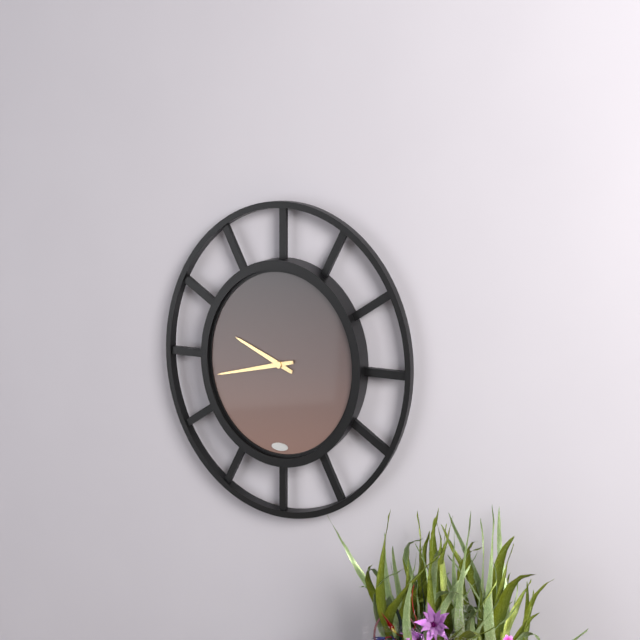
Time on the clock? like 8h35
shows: 9h43
